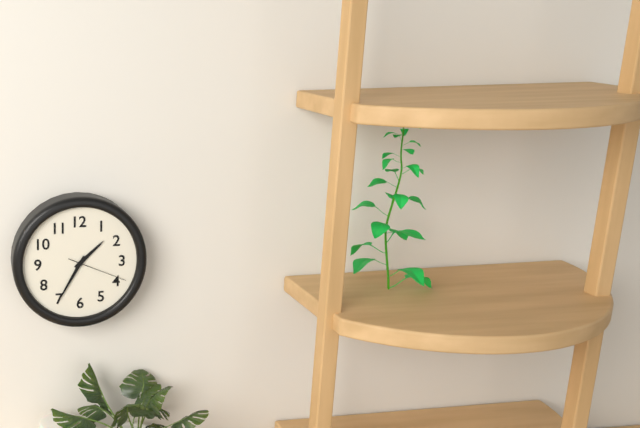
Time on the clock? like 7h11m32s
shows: 1h35m19s
